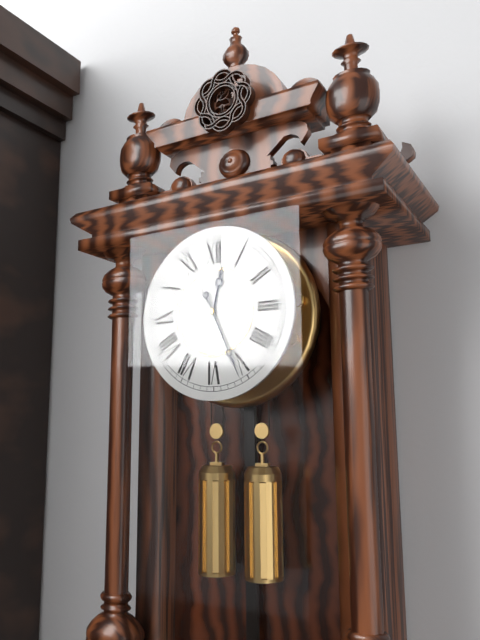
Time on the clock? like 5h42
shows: 12h26
